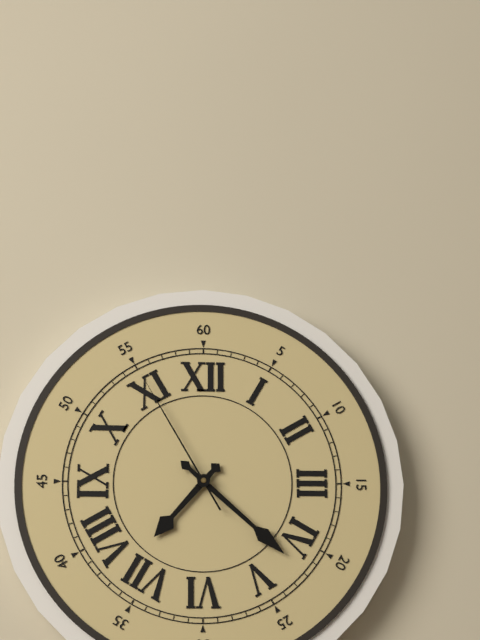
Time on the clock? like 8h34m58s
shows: 7h22m55s
